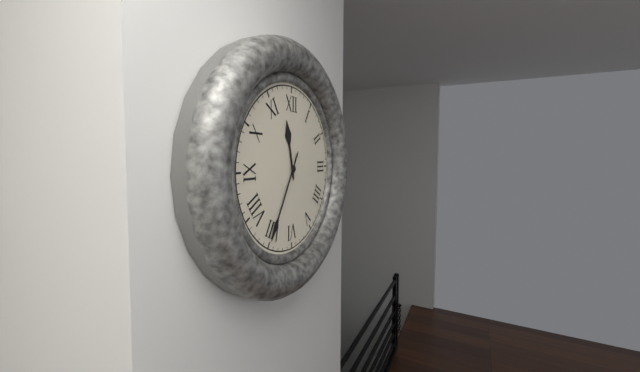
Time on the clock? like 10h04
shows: 11h35
